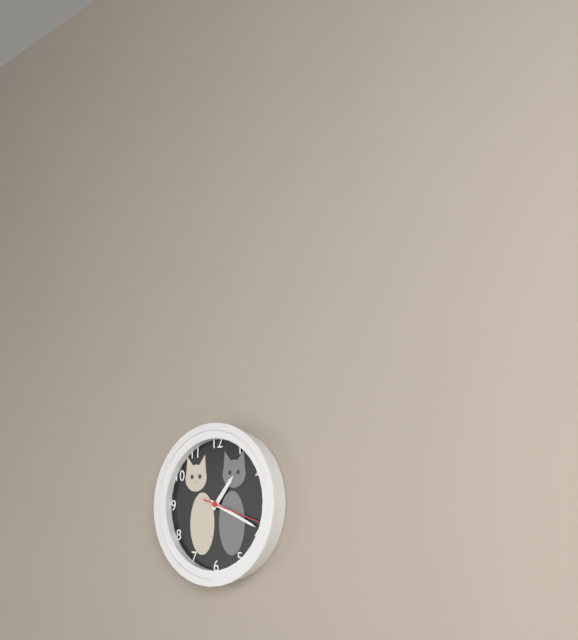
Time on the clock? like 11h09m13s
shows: 1h19m18s
